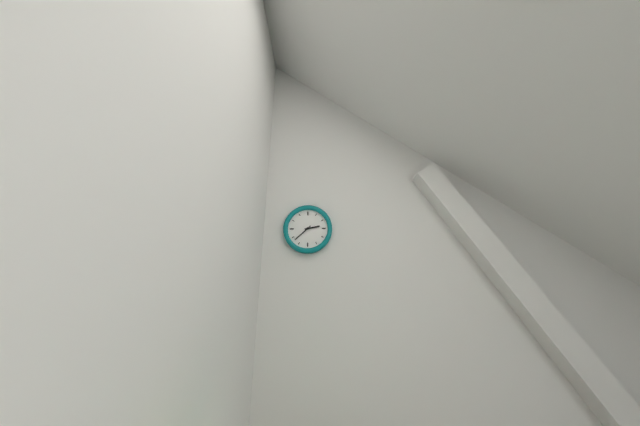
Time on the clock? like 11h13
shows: 2h38
